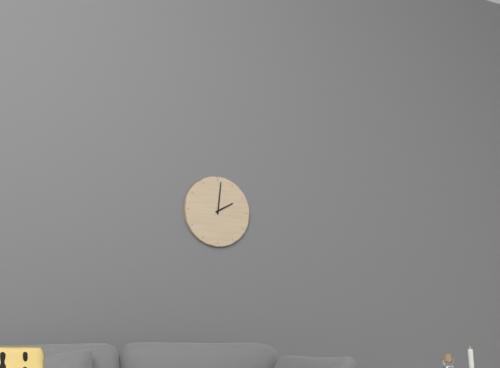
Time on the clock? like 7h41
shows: 2h01
